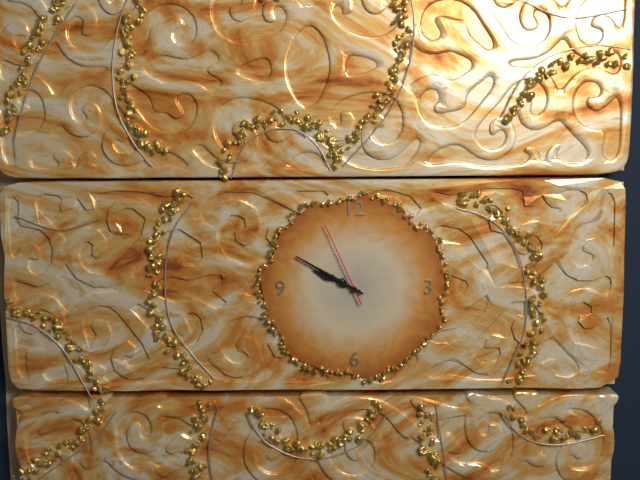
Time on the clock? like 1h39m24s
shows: 9h50m56s
